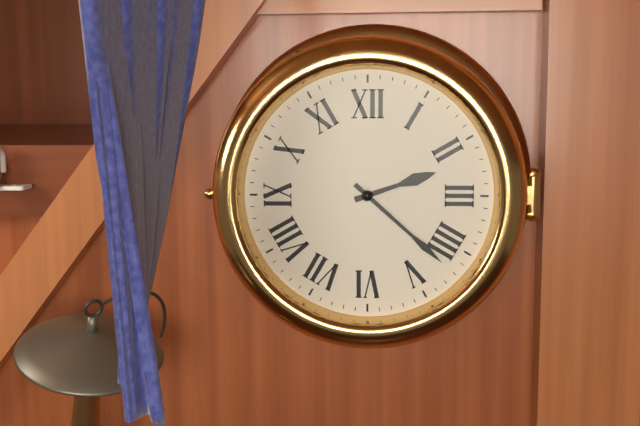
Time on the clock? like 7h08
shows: 2h22
